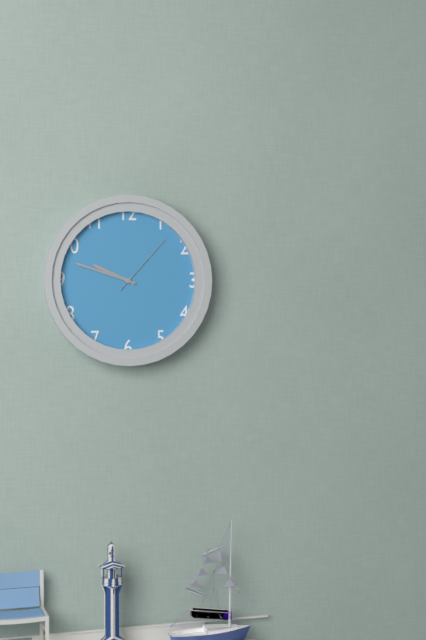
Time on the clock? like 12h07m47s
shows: 9h48m07s
